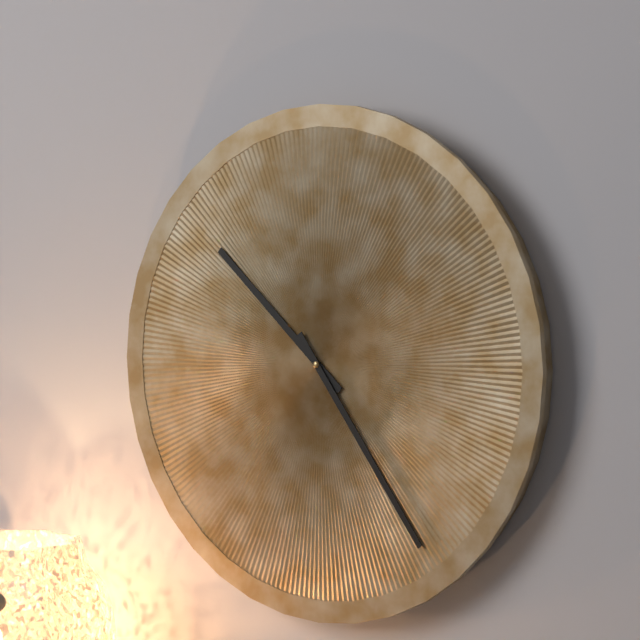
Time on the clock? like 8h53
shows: 10h24
